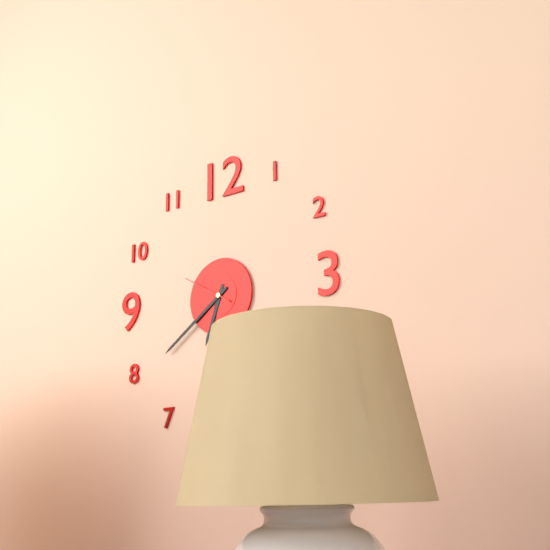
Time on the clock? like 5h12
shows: 6h39
